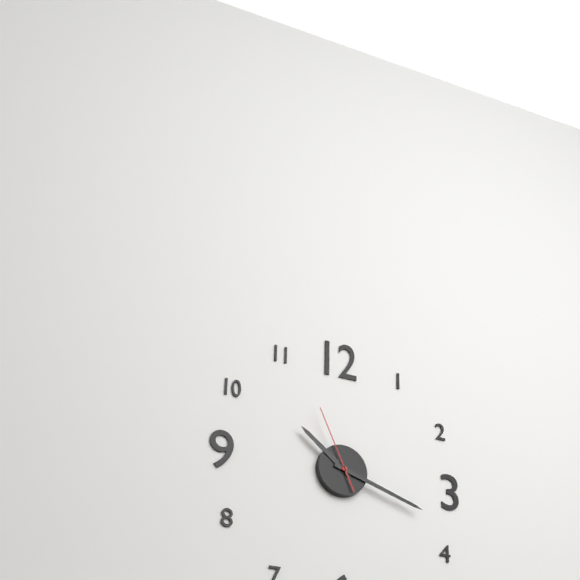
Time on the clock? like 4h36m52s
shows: 10h18m56s
